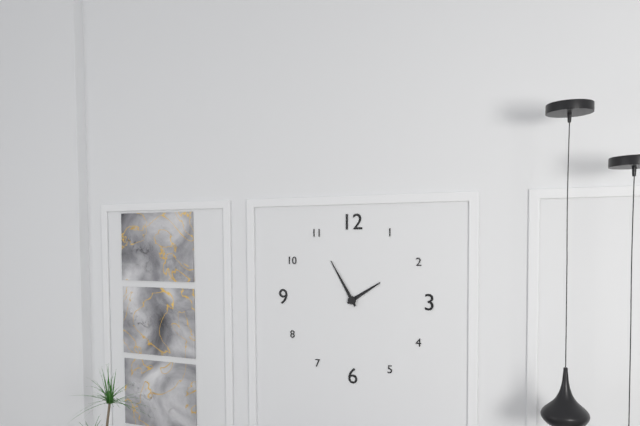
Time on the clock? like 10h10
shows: 1h55
